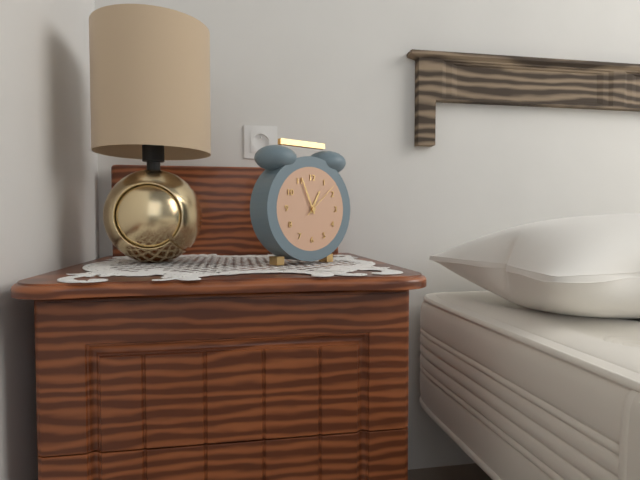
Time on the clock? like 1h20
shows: 12h56
